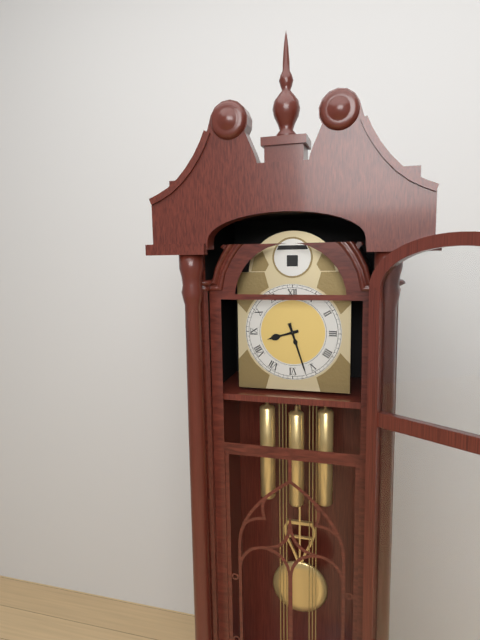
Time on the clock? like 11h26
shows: 8h27
